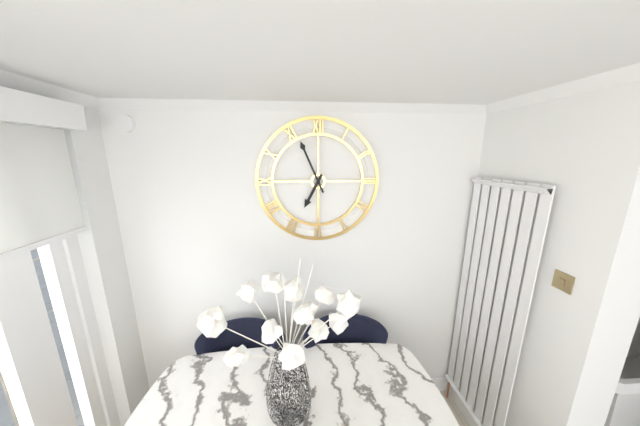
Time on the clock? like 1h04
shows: 6h56
